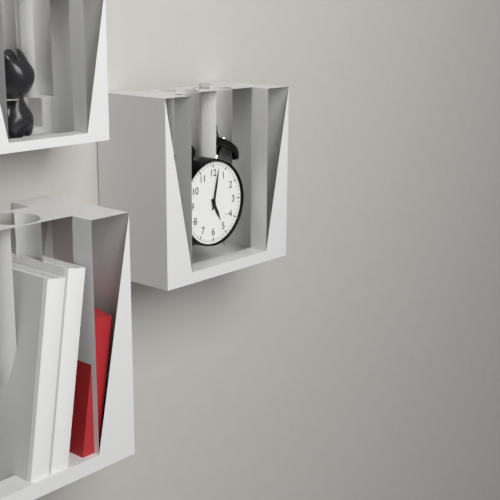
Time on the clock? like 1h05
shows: 5h02
